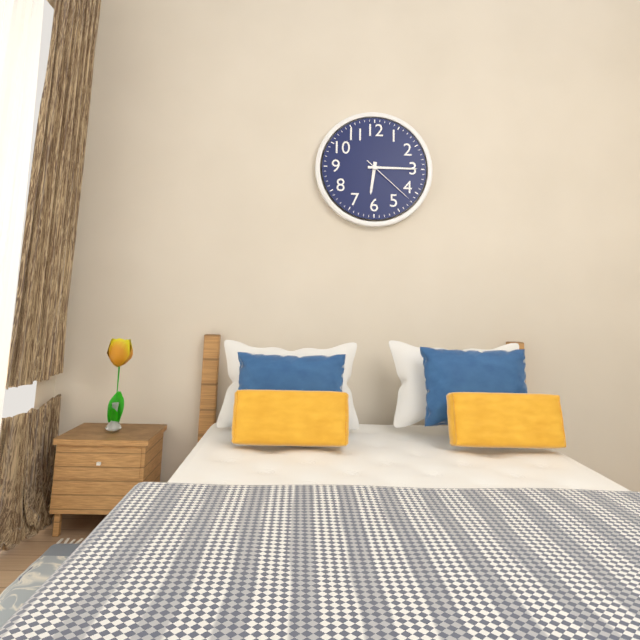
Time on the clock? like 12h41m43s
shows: 6h15m22s
